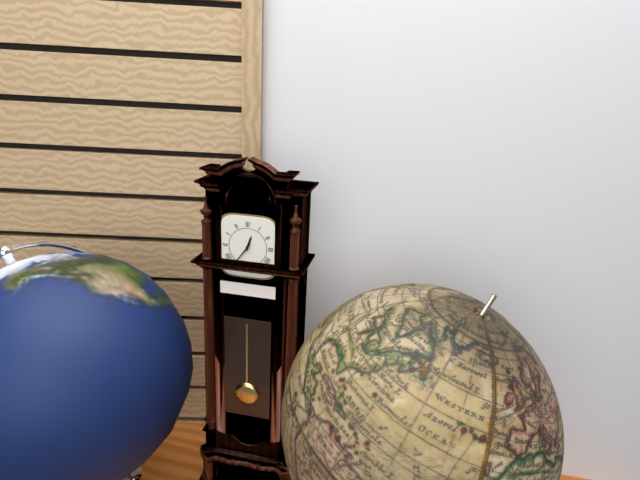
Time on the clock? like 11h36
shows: 12h36
